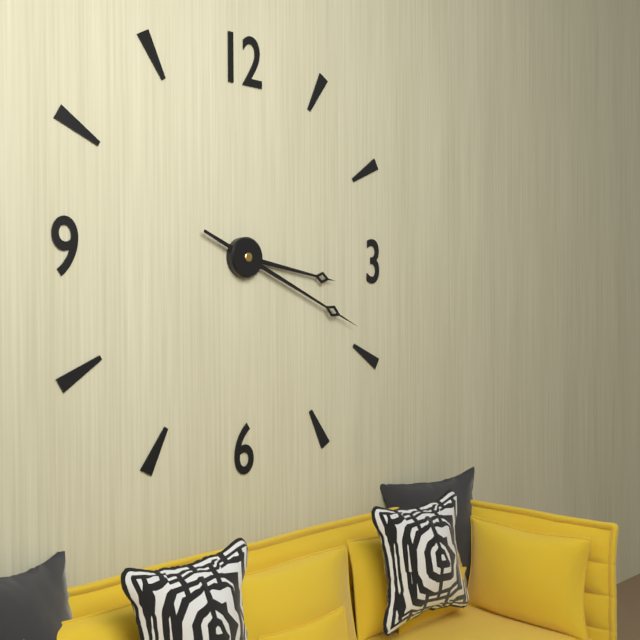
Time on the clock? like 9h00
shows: 3h19
